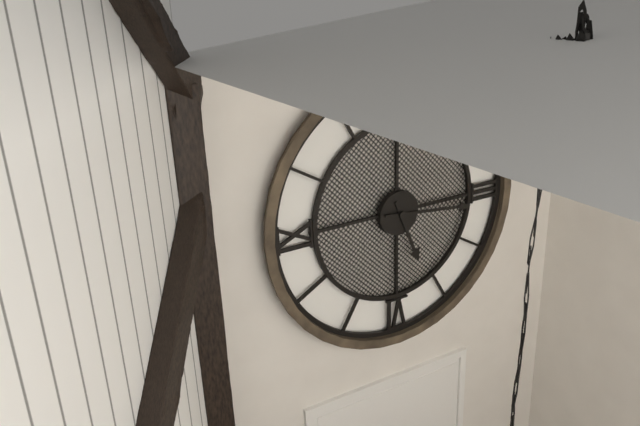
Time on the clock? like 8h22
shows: 5h16
